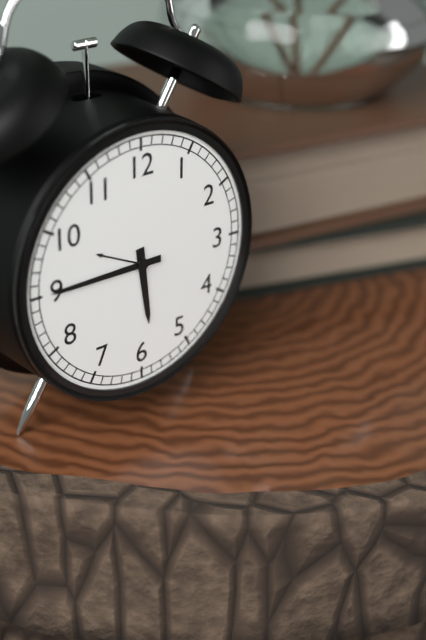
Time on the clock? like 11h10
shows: 5h45
